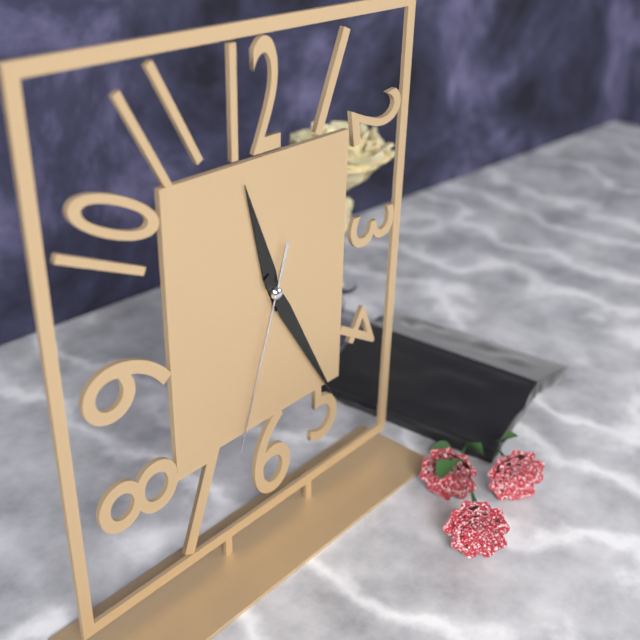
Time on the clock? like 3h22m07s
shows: 11h25m33s
